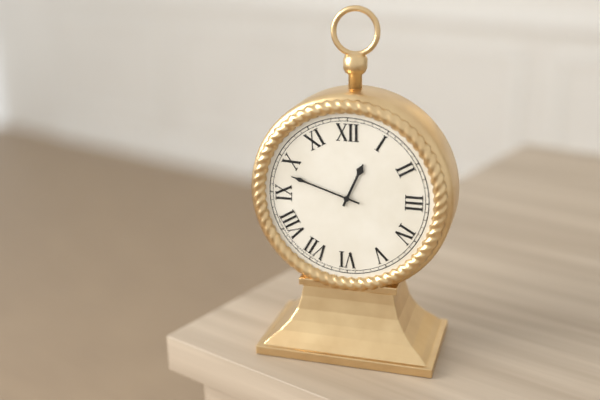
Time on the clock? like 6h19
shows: 12h48
